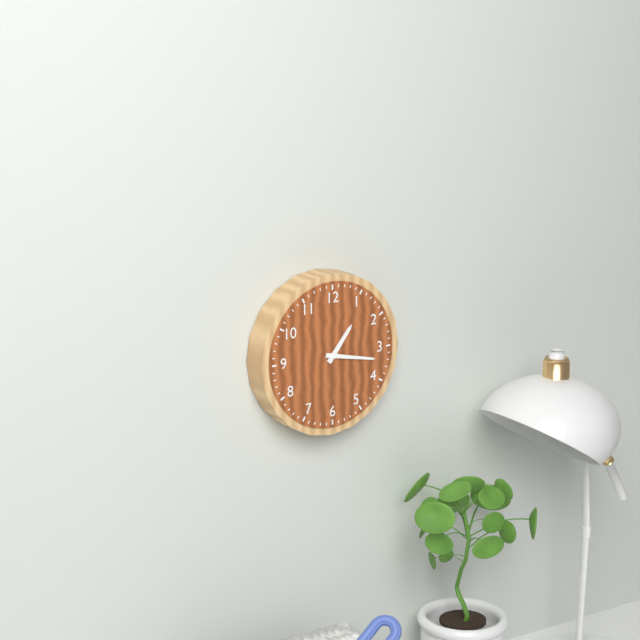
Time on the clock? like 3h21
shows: 1h17
